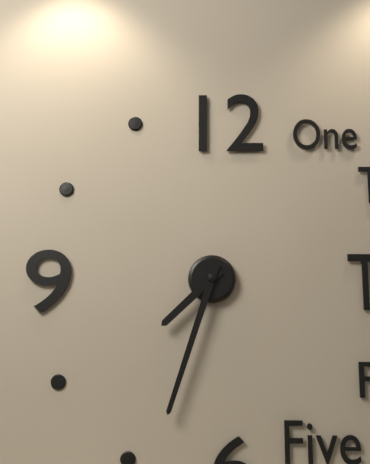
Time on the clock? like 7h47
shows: 7h33
